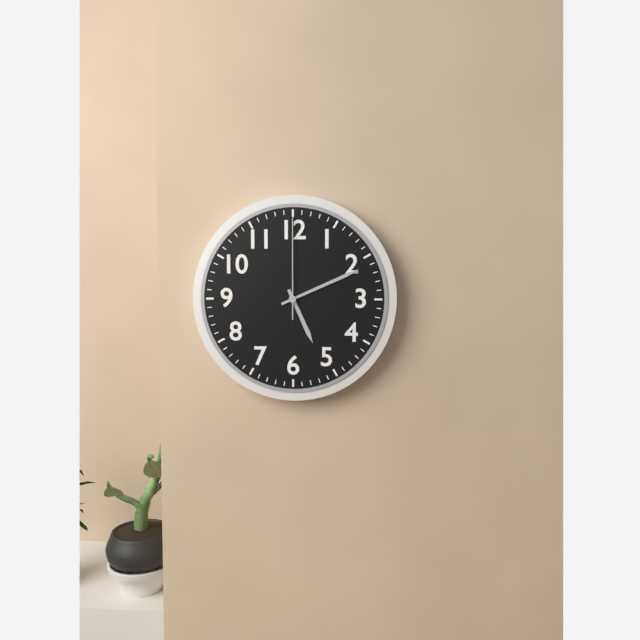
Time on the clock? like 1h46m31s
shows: 5h11m00s
